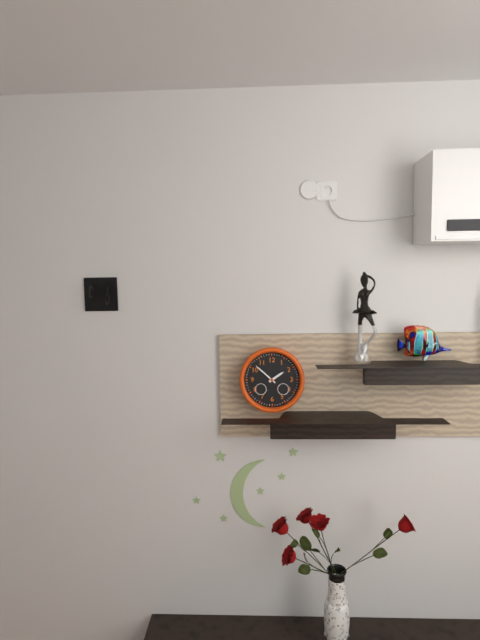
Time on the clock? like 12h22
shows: 1h52
